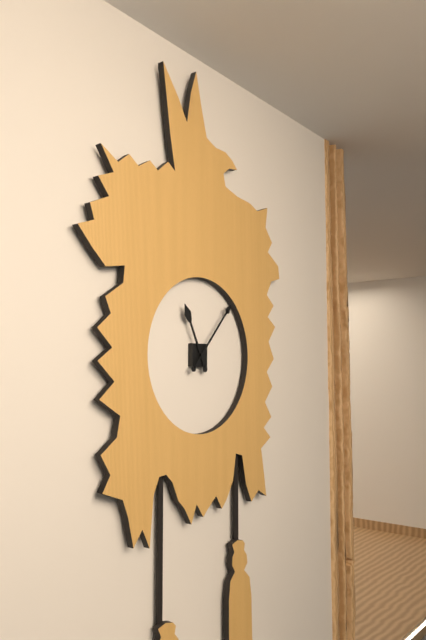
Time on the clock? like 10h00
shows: 11h07
